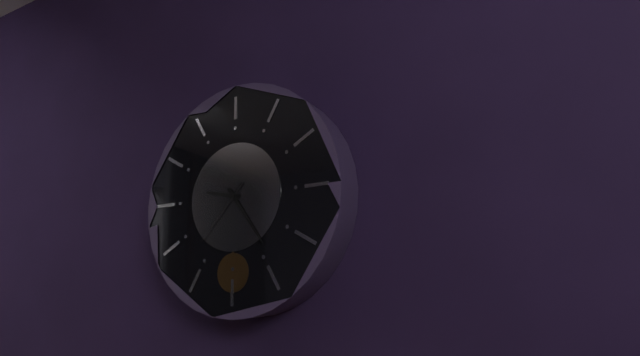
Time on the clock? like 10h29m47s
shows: 9h24m37s
